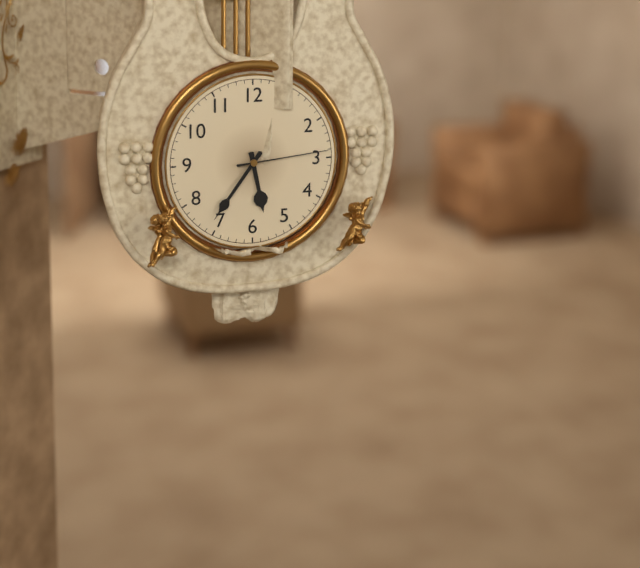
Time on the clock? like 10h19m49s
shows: 5h36m14s
